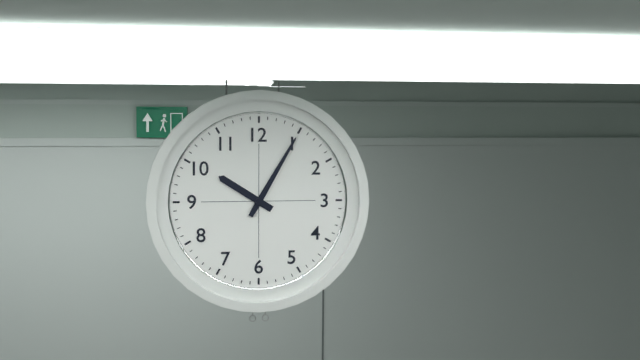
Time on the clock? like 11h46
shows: 10h05
